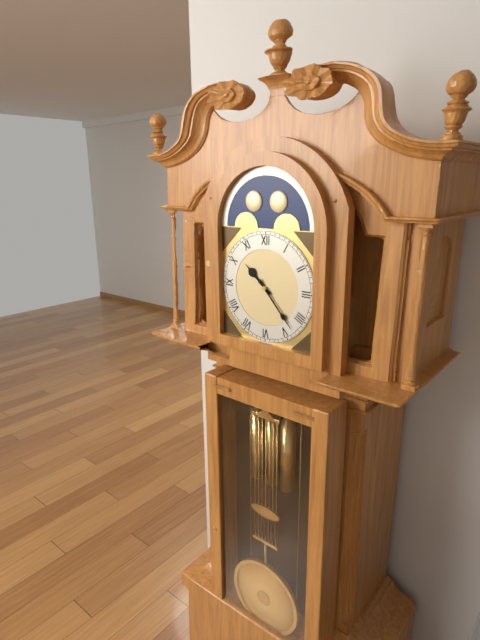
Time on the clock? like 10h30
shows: 10h23
